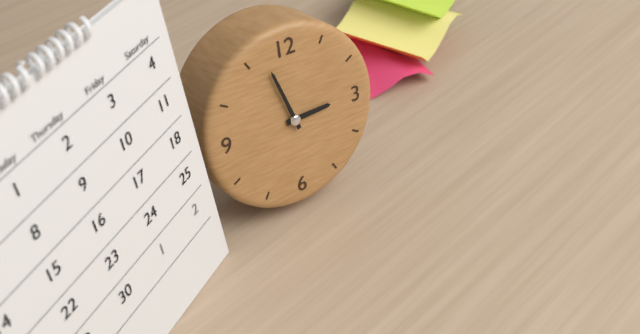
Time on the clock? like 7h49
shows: 2h57
